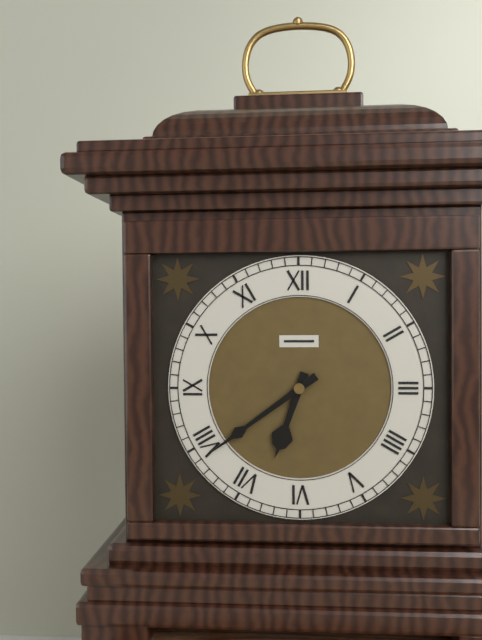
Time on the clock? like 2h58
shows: 6h39
